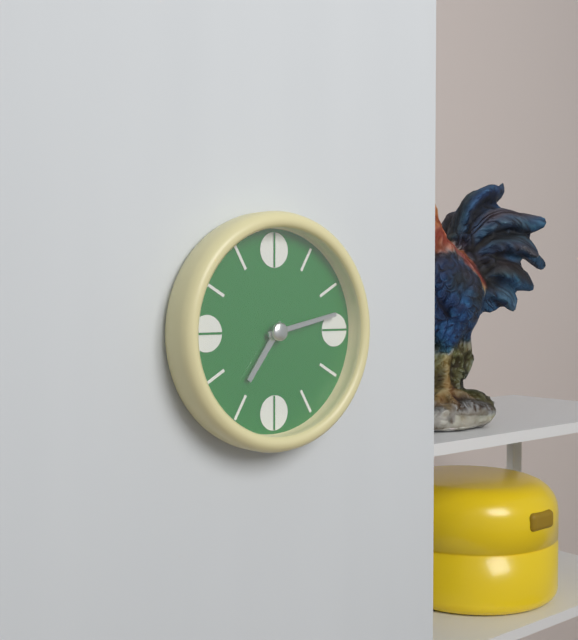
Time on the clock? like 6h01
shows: 7h13
